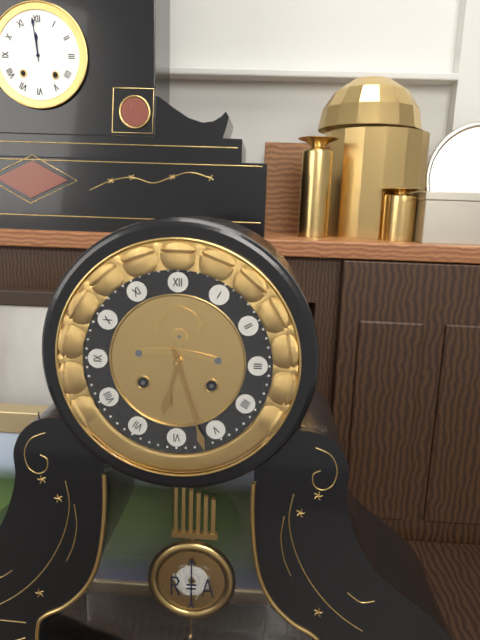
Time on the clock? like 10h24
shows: 6h27
